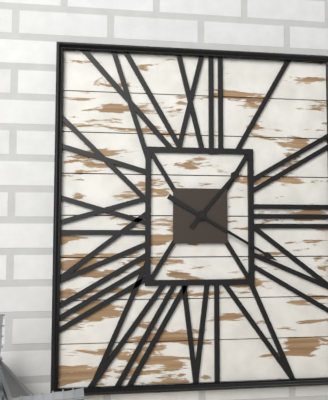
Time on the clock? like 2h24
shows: 1h20
